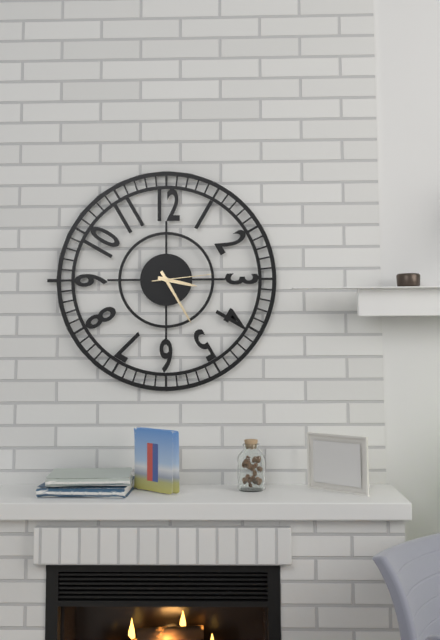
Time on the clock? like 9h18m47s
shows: 3h25m14s
